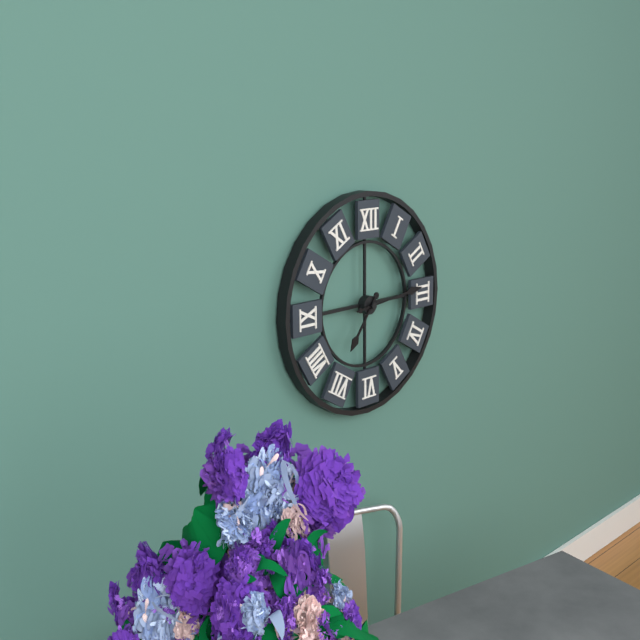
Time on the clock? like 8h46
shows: 7h14
